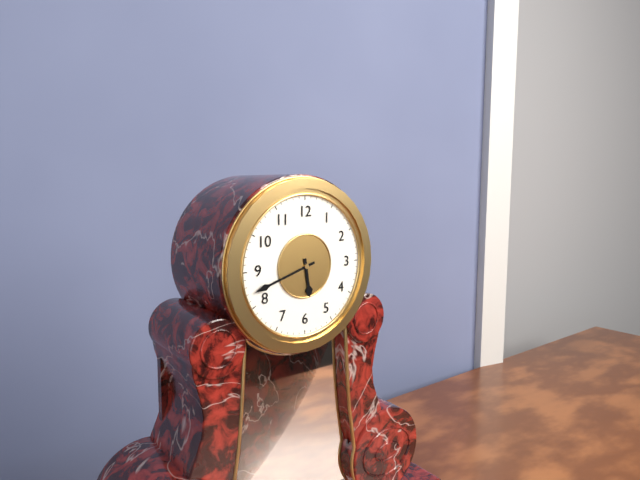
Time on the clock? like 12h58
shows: 5h42
